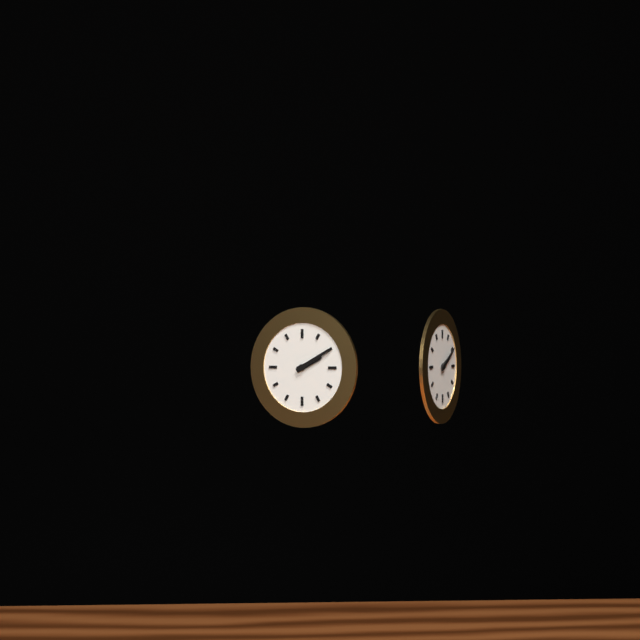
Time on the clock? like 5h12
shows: 2h10
